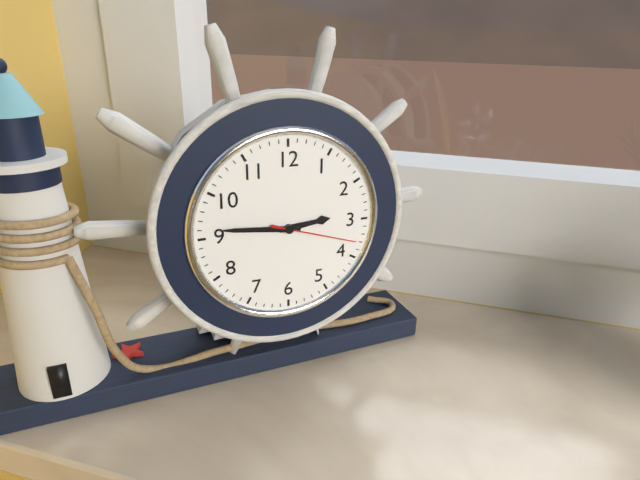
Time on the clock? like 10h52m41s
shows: 2h46m18s
